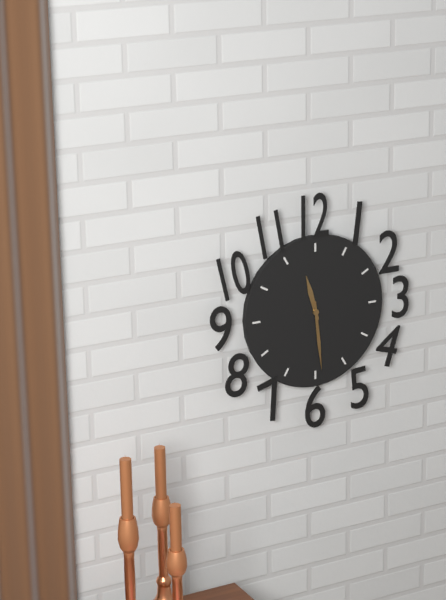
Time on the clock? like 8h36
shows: 11h29
